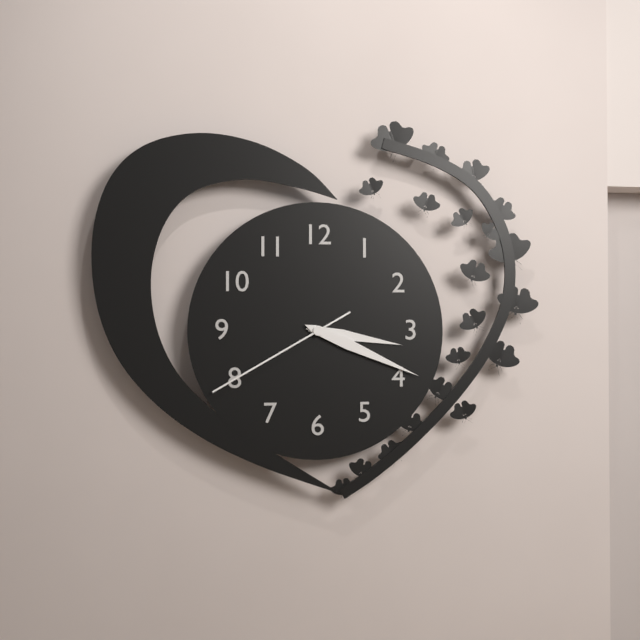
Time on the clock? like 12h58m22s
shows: 3h19m40s
